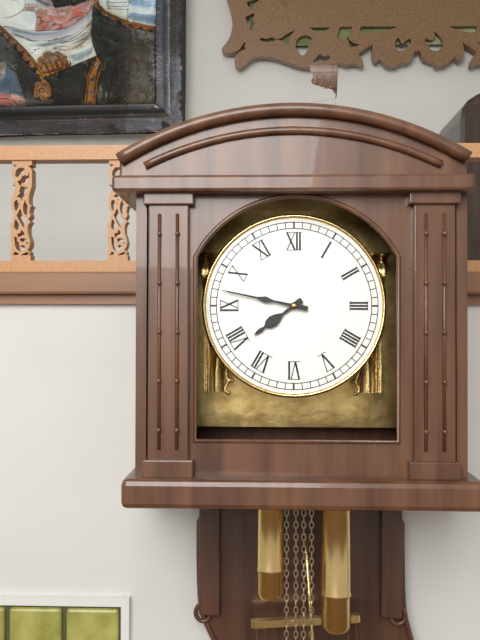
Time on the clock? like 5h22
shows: 7h47
